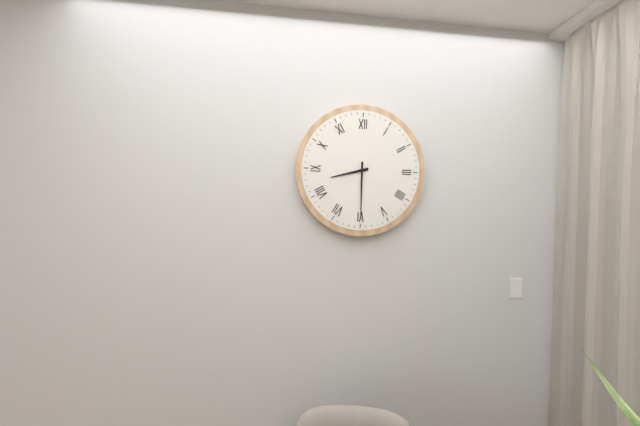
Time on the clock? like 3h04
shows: 8h30
